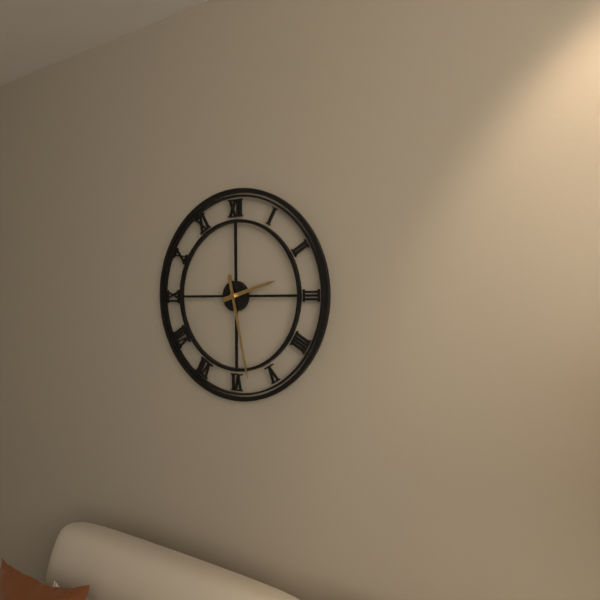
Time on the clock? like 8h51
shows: 2h28
